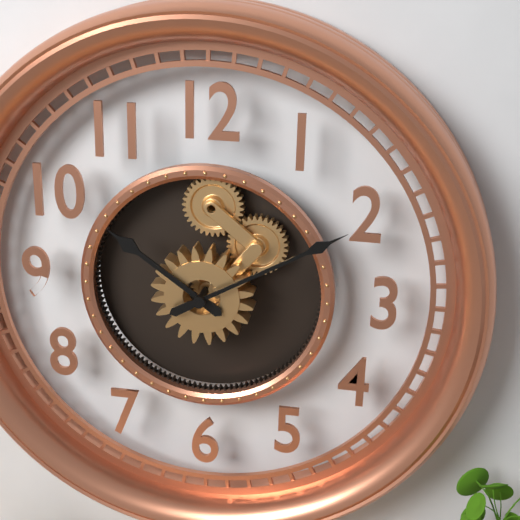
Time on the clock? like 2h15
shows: 10h10
